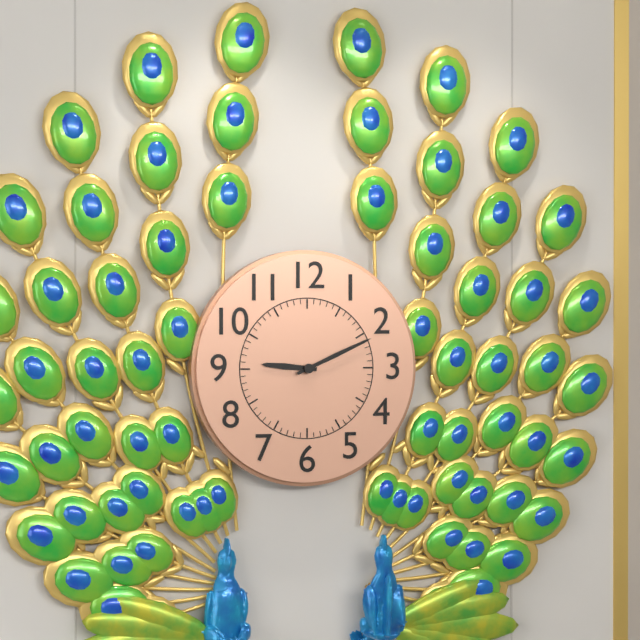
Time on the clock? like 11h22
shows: 9h11
